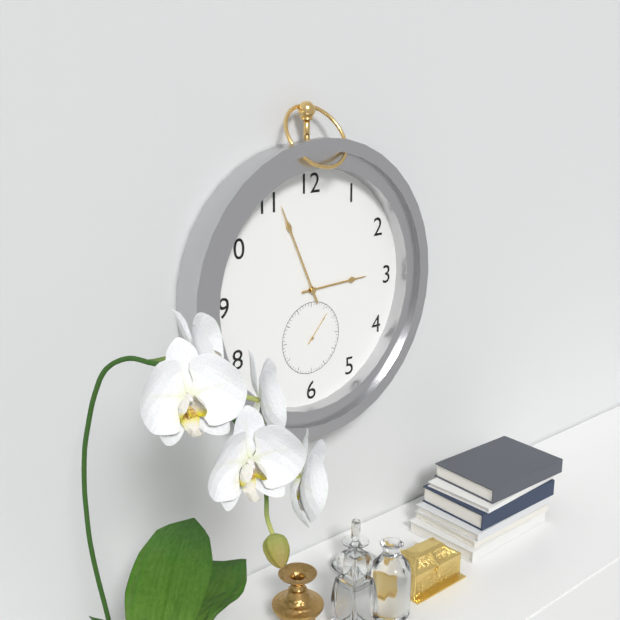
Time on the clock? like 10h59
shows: 2h56
